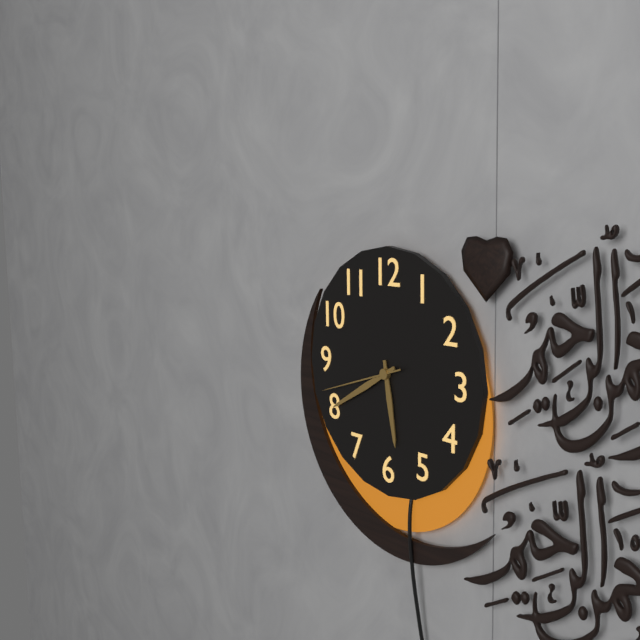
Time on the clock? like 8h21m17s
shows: 5h40m42s
